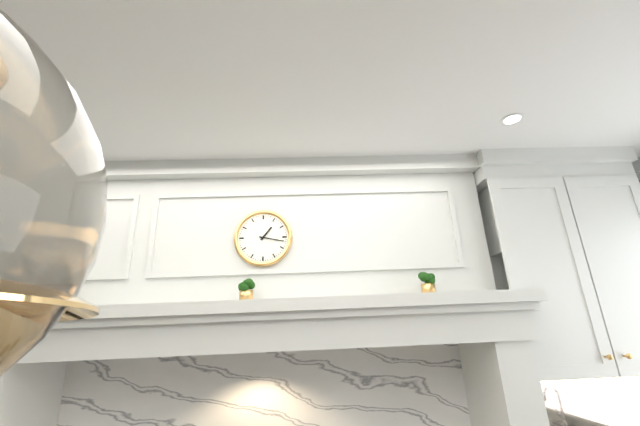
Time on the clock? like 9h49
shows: 1h17
